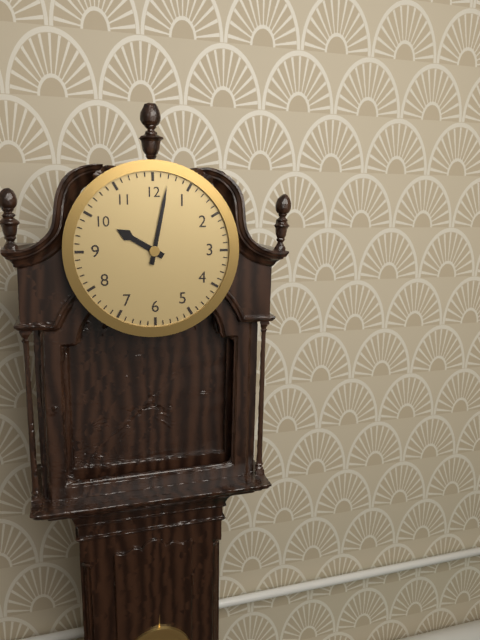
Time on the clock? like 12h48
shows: 10h02
